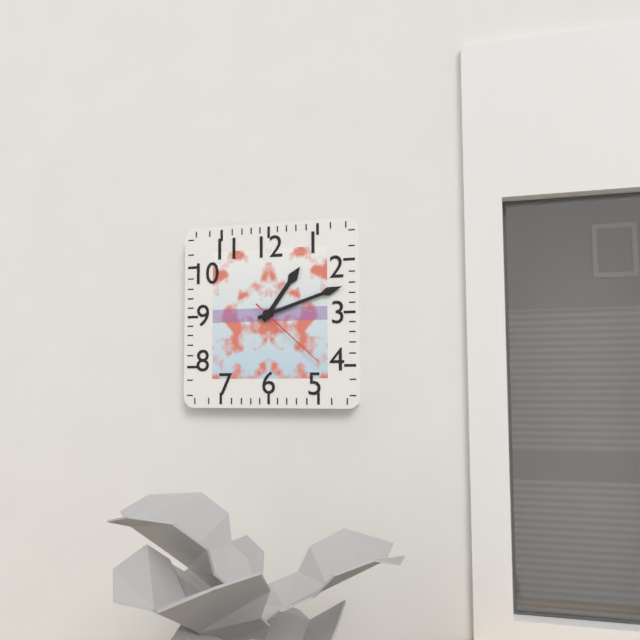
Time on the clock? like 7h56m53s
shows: 1h12m22s
